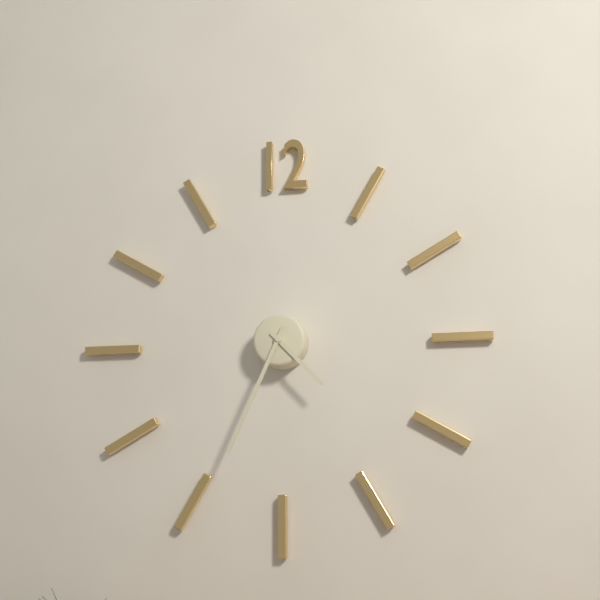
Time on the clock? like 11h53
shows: 4h34
